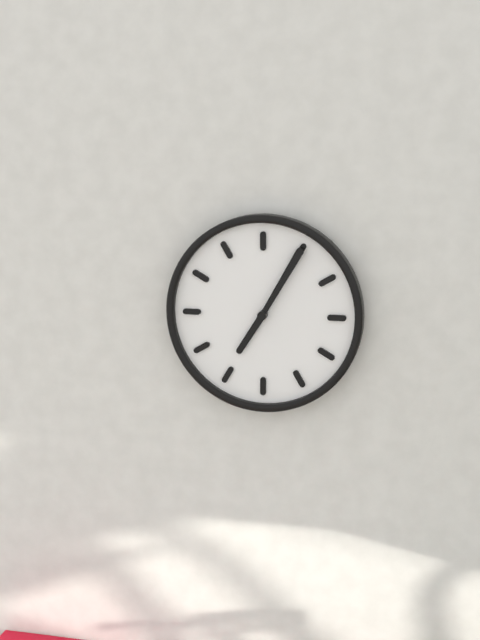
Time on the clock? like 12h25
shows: 7h05
